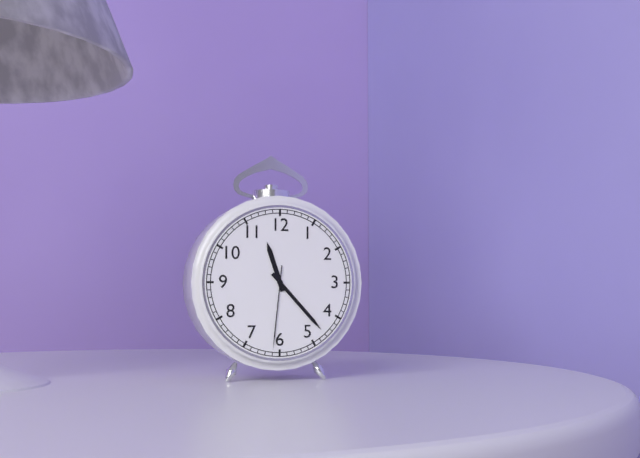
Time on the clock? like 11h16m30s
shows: 11h23m31s
